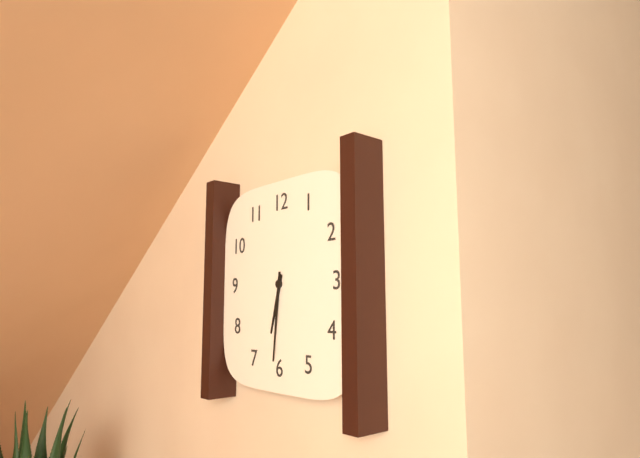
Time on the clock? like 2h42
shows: 6h31
